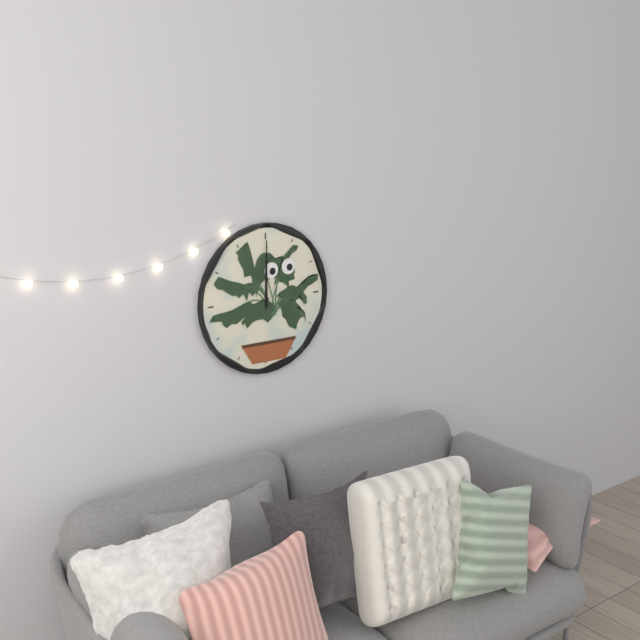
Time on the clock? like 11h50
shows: 12h00
